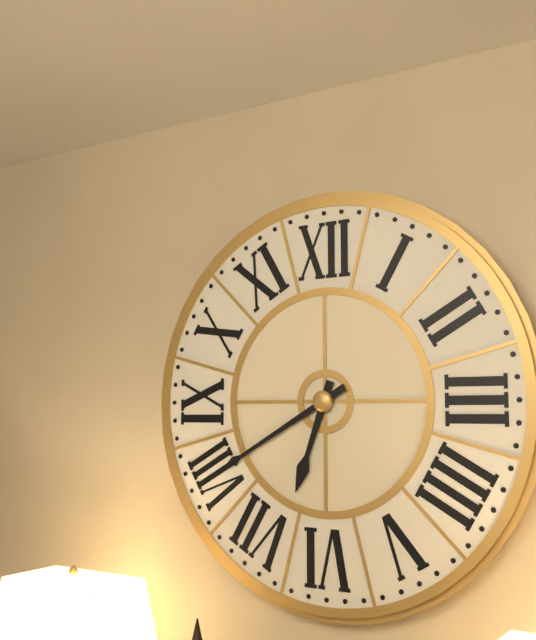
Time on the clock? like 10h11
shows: 6h40
